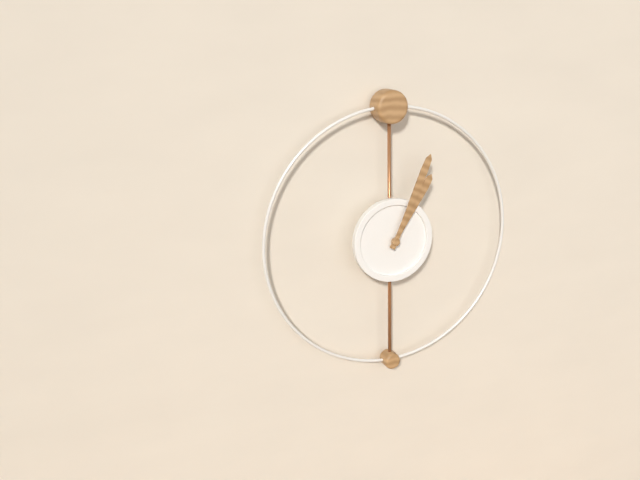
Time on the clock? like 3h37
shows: 1h04
